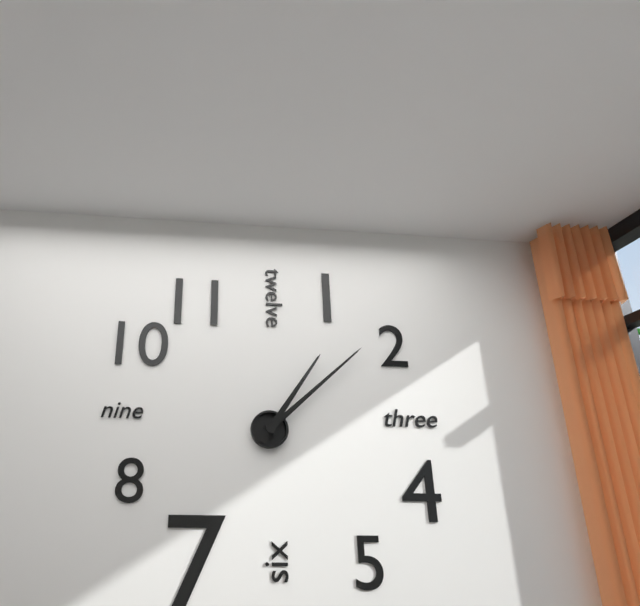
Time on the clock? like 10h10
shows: 1h08
